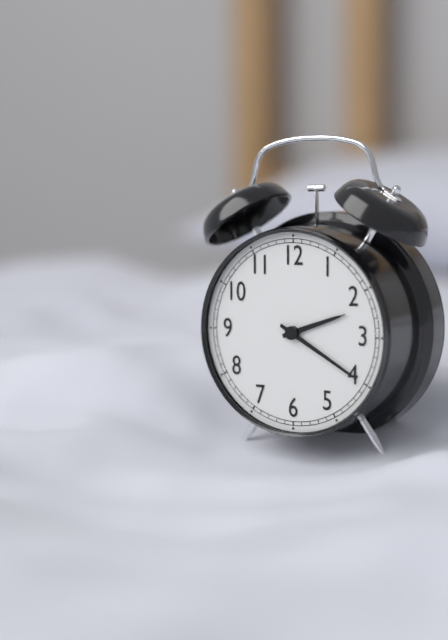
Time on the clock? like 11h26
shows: 2h20
